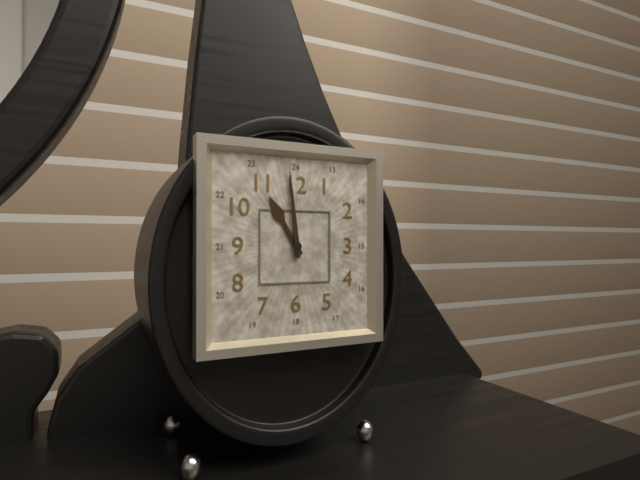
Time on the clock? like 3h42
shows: 10h59
